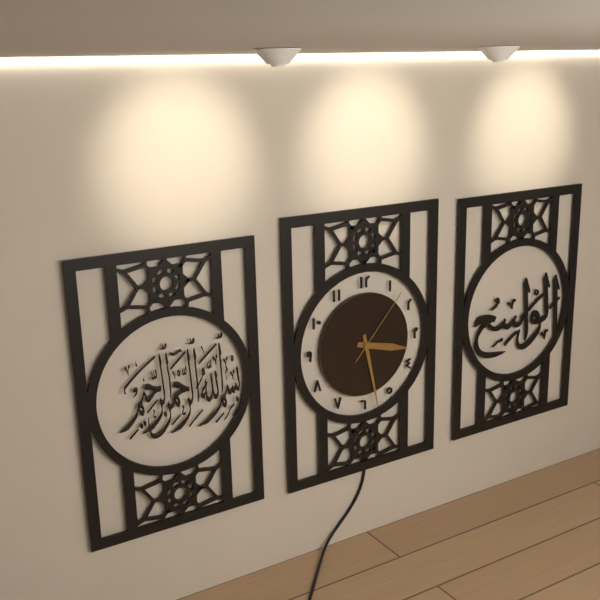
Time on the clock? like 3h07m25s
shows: 3h28m07s
